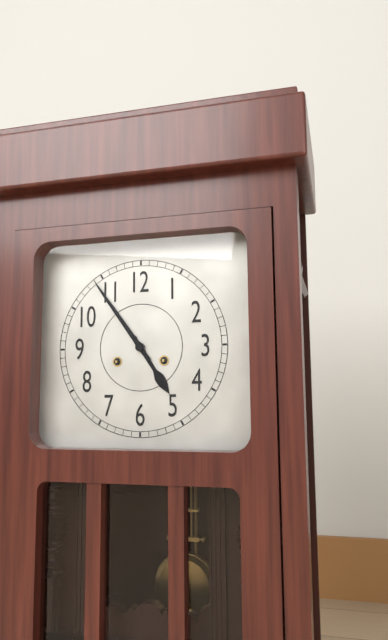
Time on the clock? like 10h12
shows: 4h54
